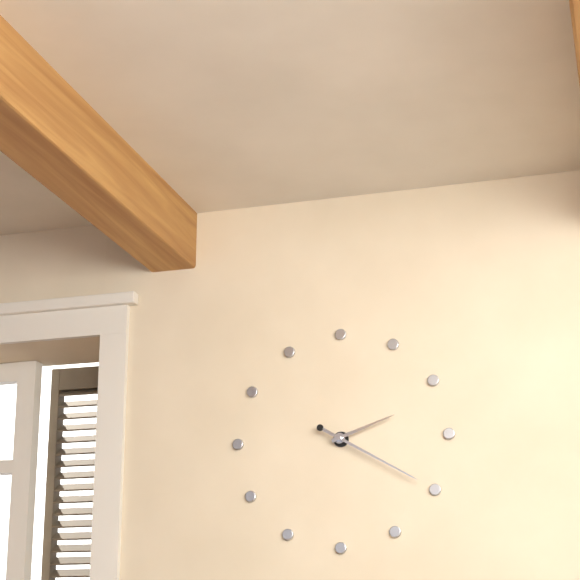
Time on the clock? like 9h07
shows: 2h20
